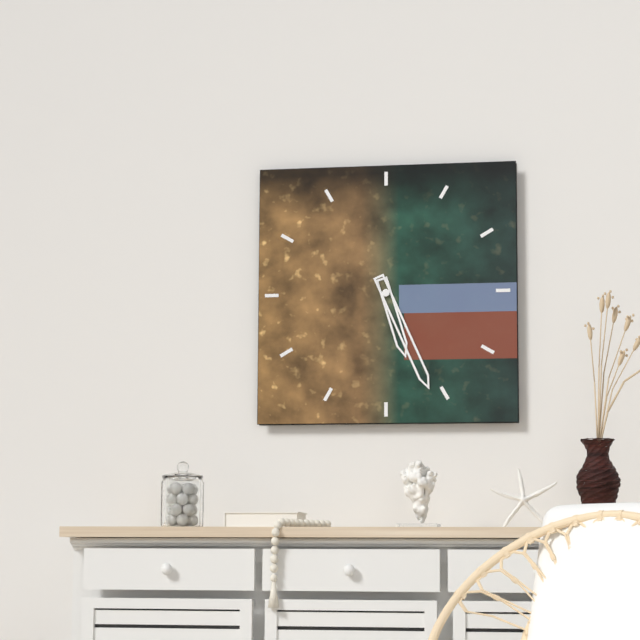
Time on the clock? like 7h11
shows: 5h26
